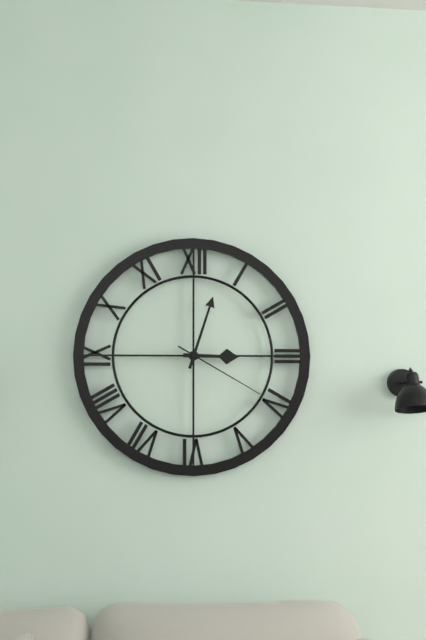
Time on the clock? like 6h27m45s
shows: 3h03m20s
